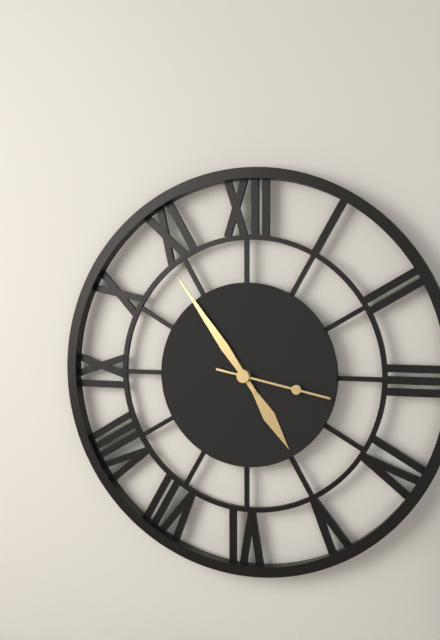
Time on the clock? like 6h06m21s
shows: 4h54m17s
